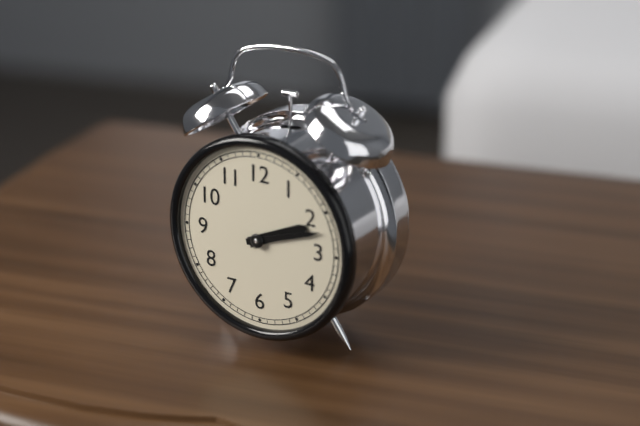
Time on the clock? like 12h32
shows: 2h12
